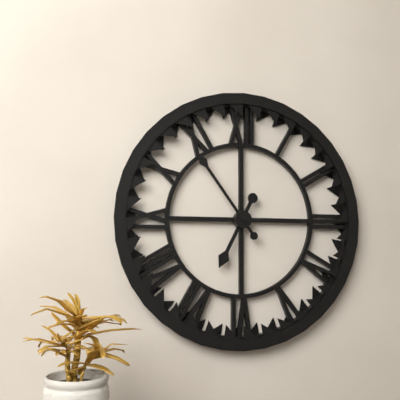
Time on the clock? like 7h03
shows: 6h54
